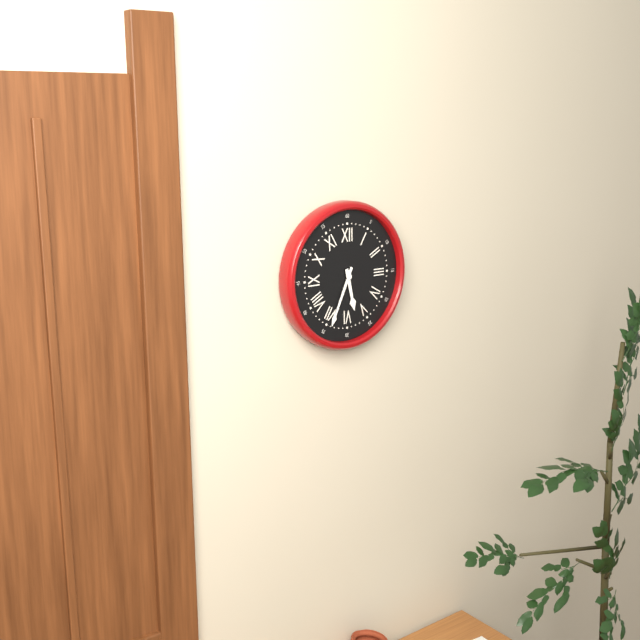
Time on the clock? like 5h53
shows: 5h34
